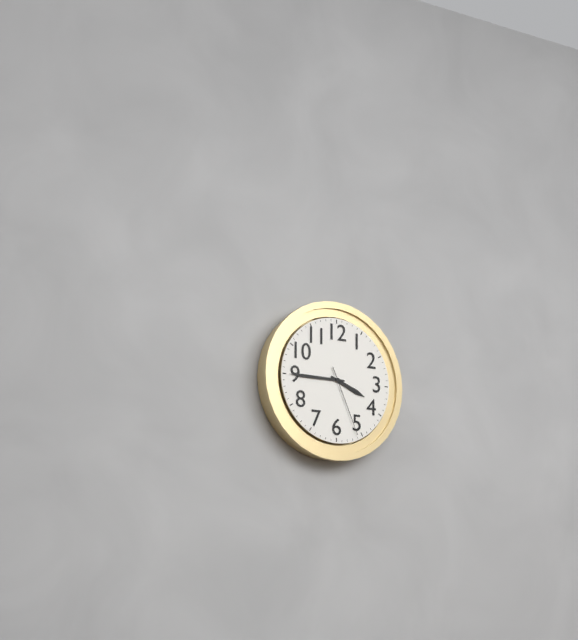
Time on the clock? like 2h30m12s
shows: 3h45m26s
